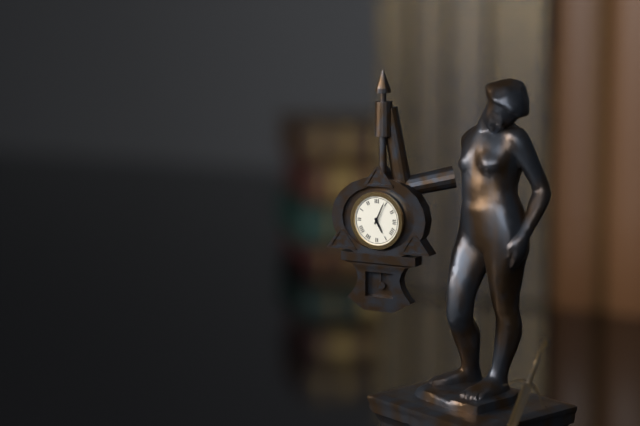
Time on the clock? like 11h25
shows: 5h04
